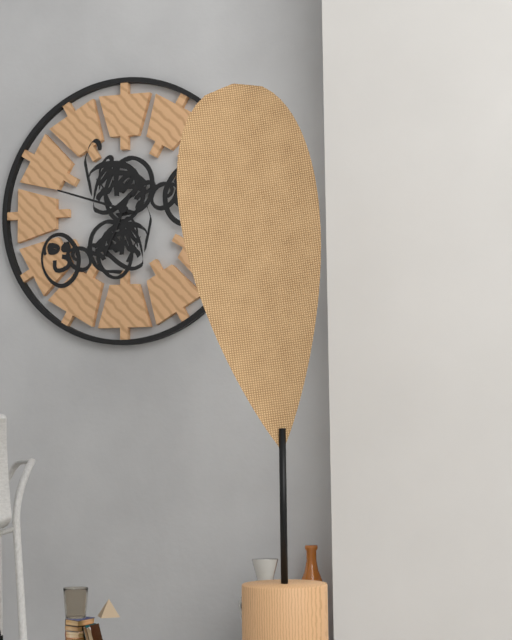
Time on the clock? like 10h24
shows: 6h48
